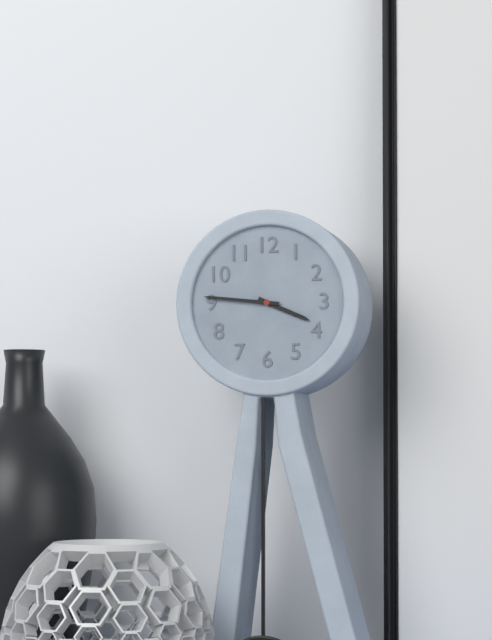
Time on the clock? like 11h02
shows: 3h46
